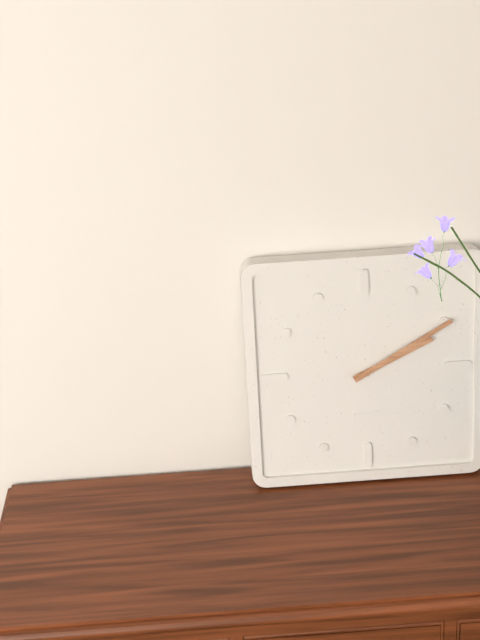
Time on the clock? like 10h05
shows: 2h10
